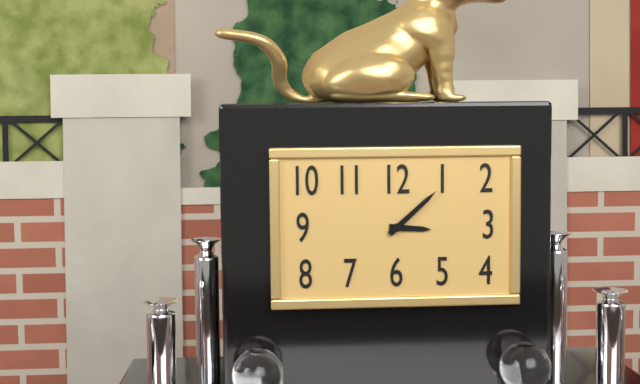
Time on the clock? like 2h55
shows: 3h08
